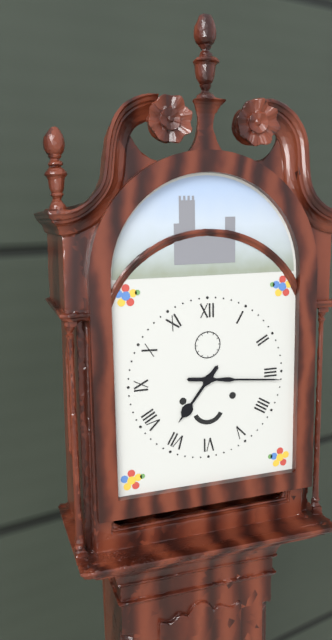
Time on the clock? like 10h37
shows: 7h16
